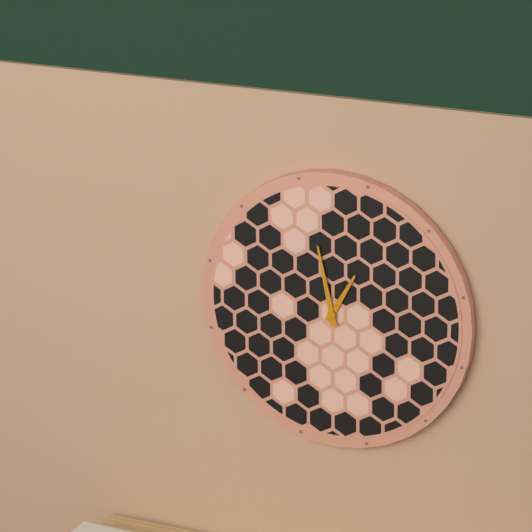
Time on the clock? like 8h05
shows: 12h58
